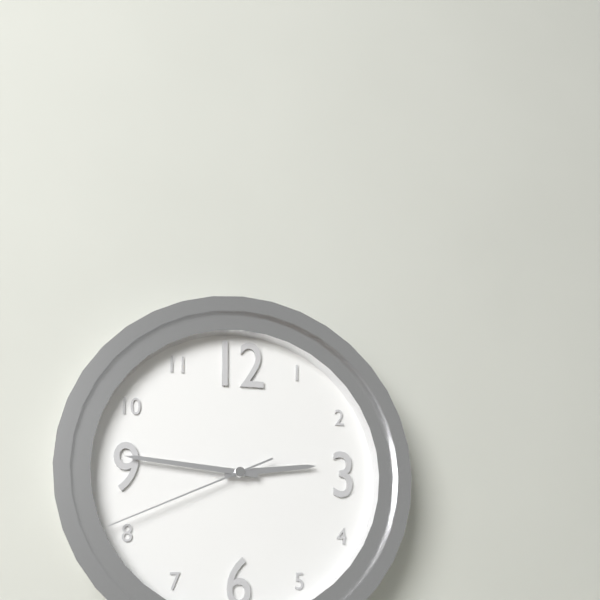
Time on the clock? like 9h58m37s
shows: 2h46m41s
